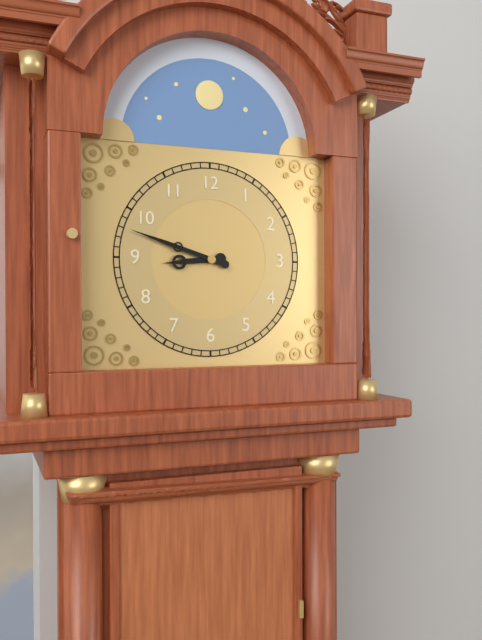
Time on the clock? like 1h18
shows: 8h48
